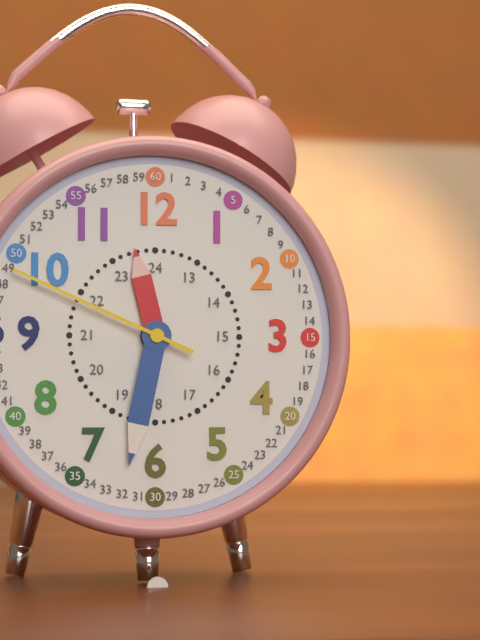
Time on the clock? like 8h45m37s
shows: 11h32m49s
